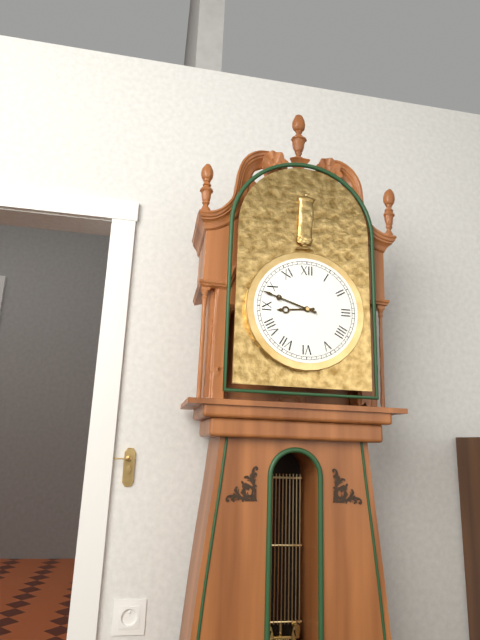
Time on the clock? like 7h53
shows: 8h48
